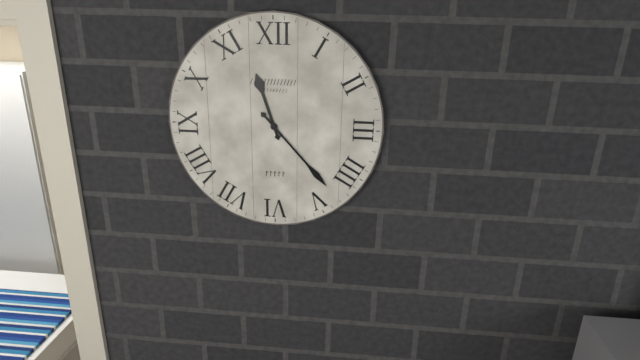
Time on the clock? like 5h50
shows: 11h23
